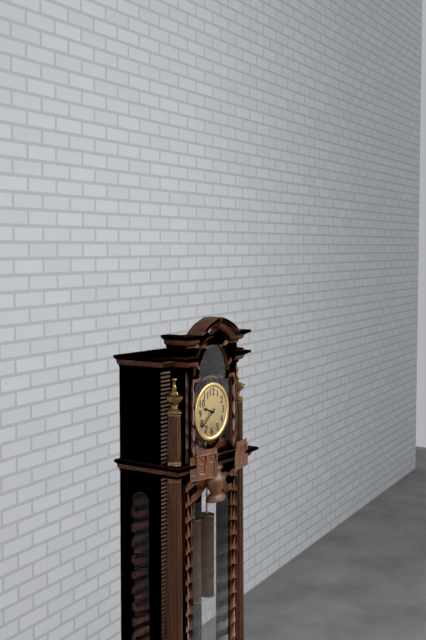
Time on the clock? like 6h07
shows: 9h39
